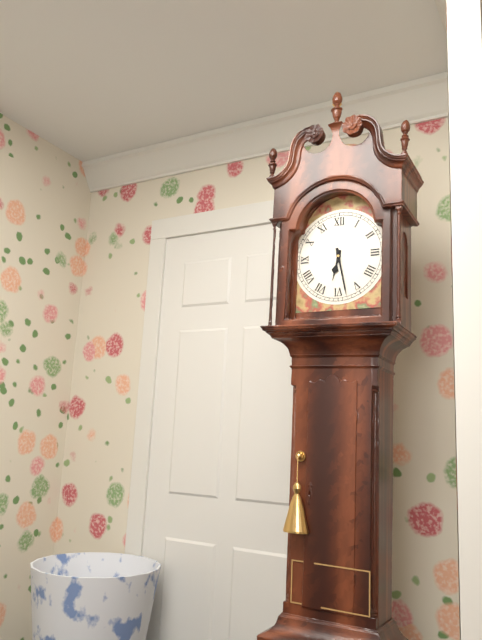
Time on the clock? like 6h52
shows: 6h28
